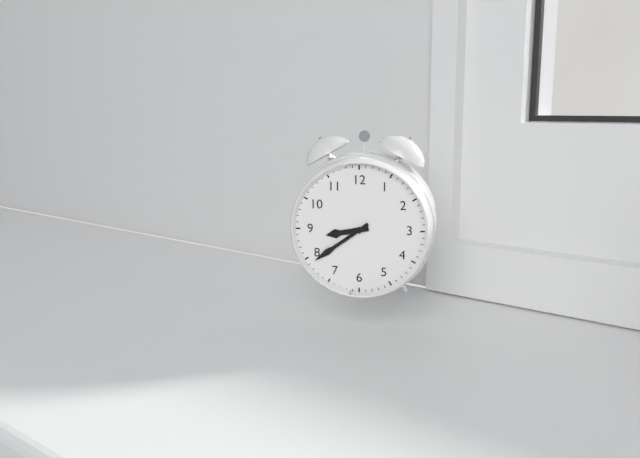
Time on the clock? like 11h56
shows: 8h39
